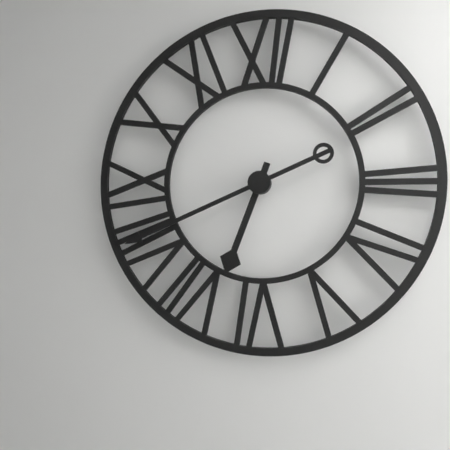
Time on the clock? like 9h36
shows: 6h41
